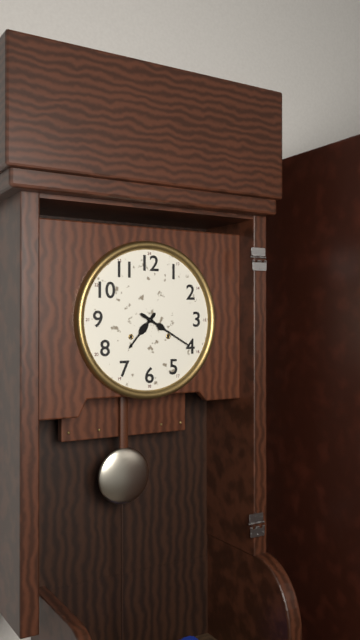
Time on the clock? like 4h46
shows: 7h20
